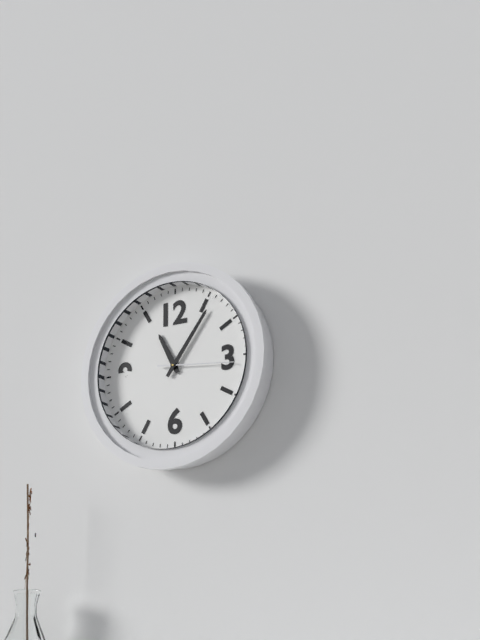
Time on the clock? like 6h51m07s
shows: 11h06m16s
